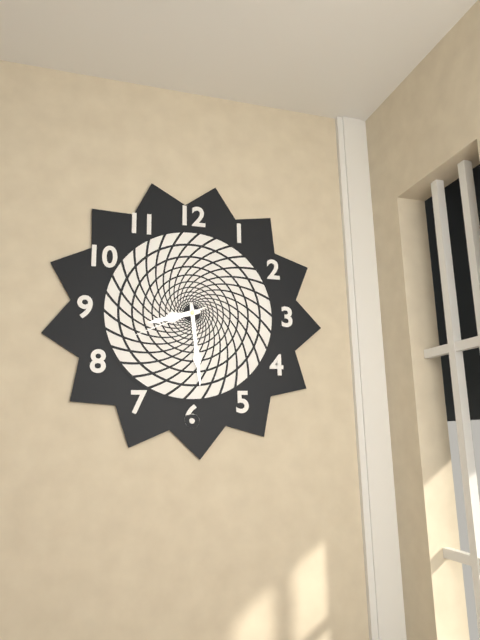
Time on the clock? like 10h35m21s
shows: 8h29m41s
